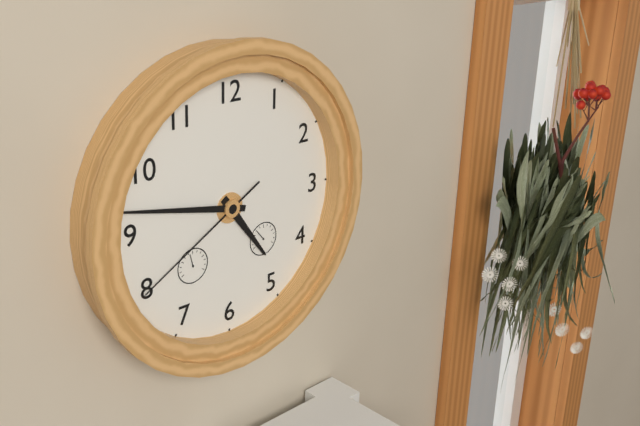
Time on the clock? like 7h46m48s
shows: 4h47m40s
